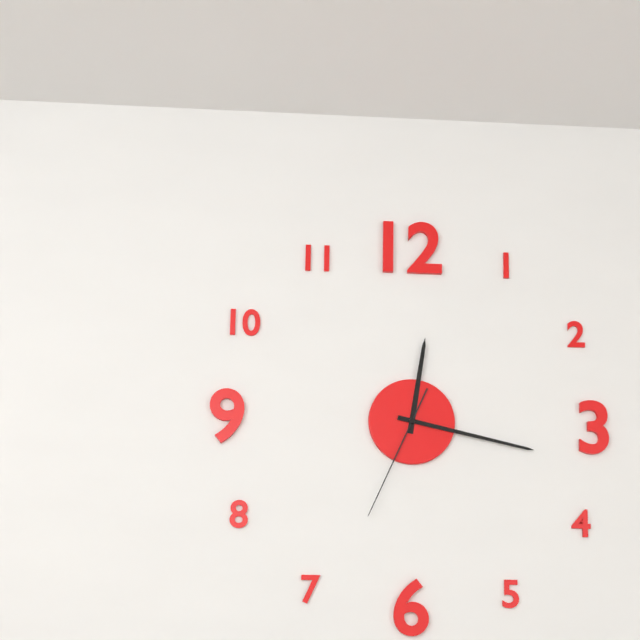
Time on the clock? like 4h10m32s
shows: 12h17m34s
